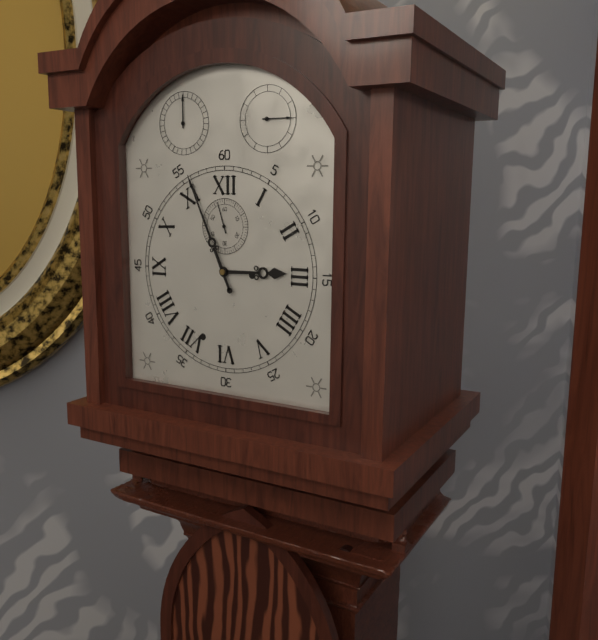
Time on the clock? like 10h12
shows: 2h56
